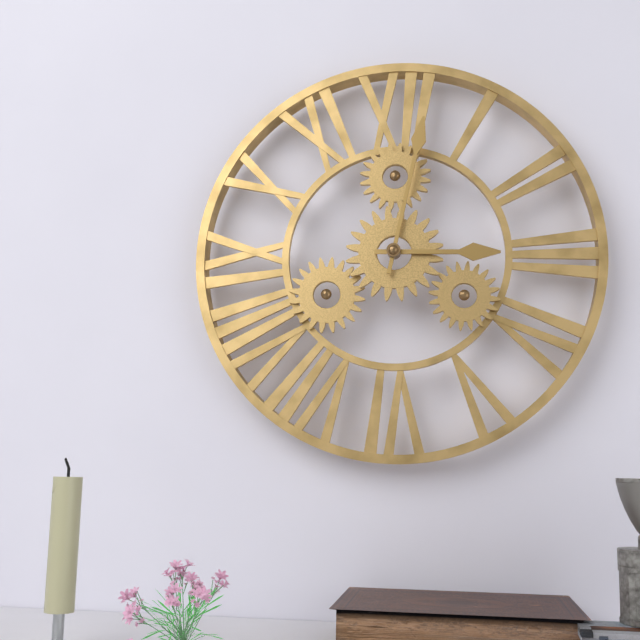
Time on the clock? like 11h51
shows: 3h02
